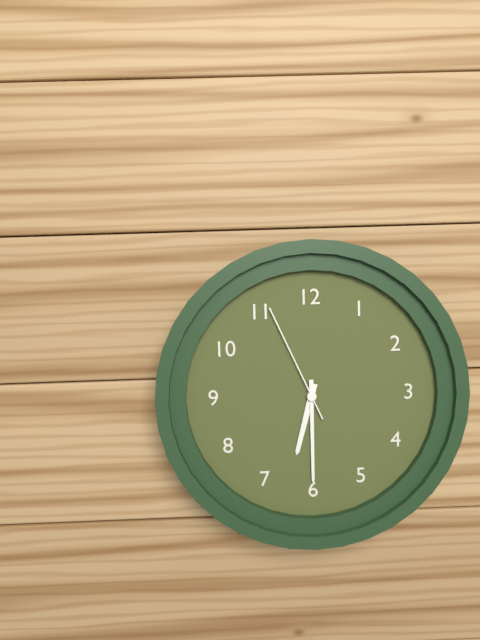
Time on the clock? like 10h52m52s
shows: 6h30m56s
